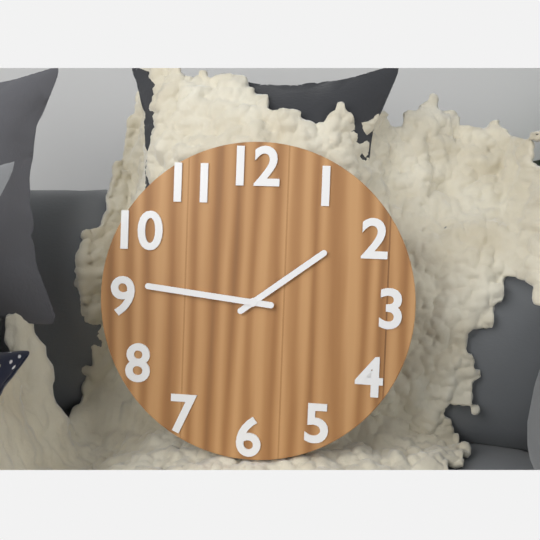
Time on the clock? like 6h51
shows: 1h46
